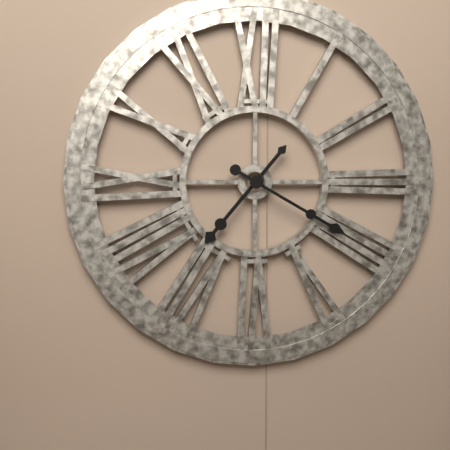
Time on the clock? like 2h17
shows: 7h20
